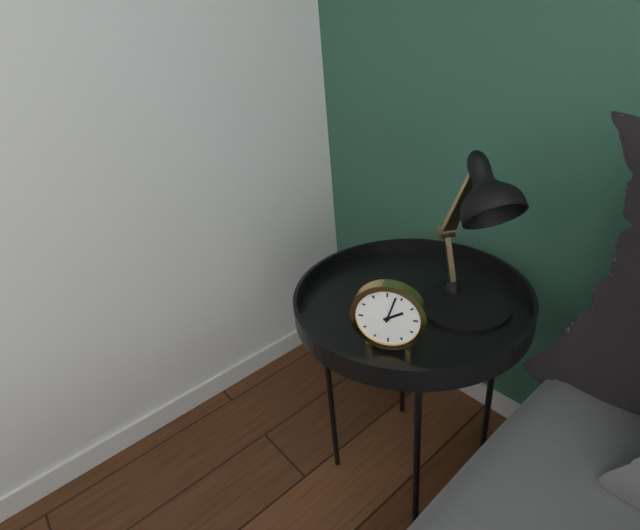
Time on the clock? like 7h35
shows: 2h03
